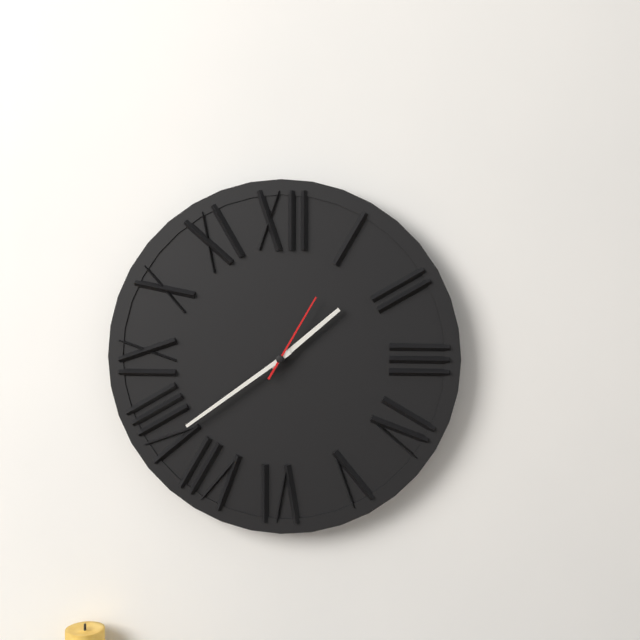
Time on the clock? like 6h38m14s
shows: 1h39m05s
